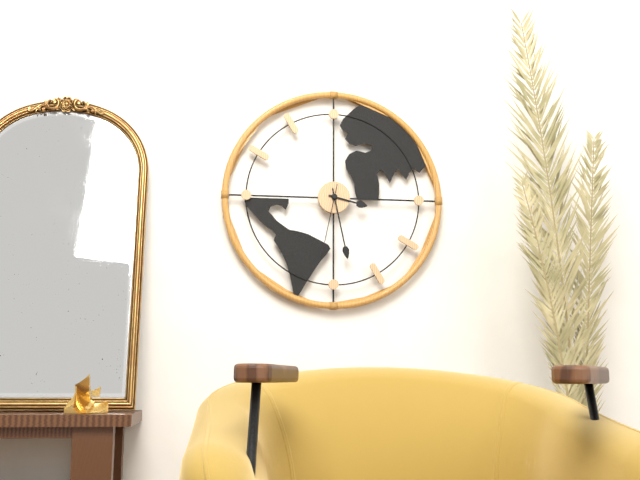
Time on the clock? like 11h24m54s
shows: 3h28m32s
